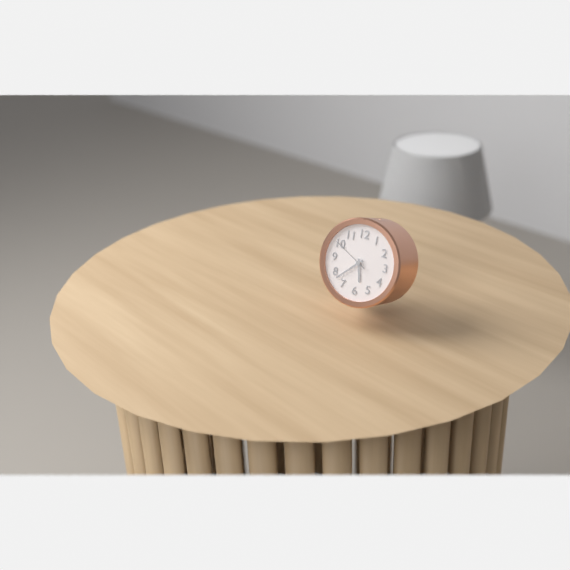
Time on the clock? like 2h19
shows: 5h38
